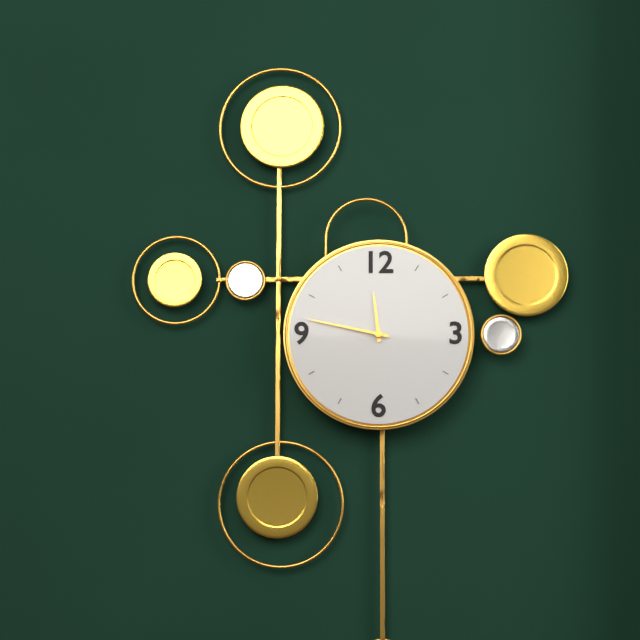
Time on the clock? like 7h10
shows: 11h47
